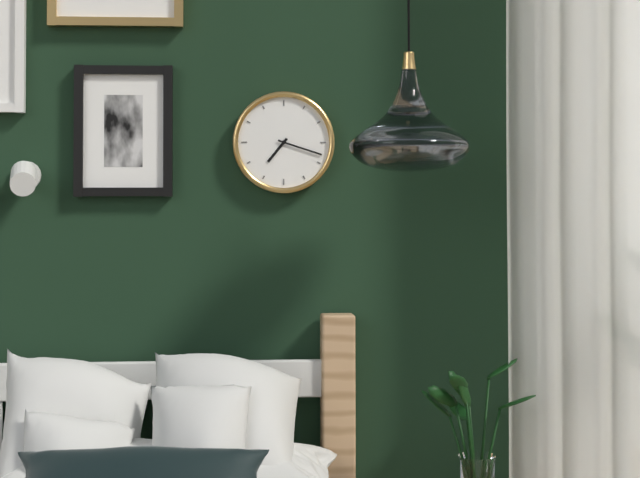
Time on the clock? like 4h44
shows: 7h18
